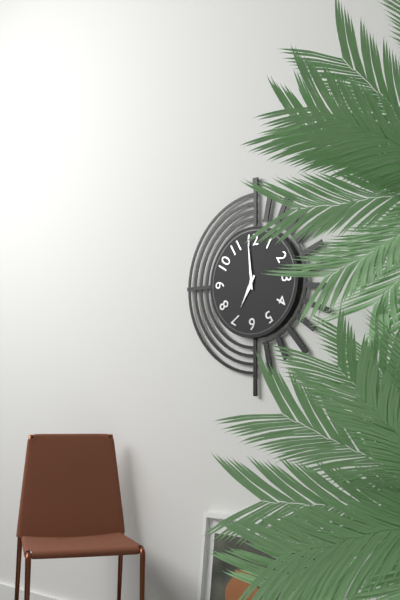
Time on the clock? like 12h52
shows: 6h59
